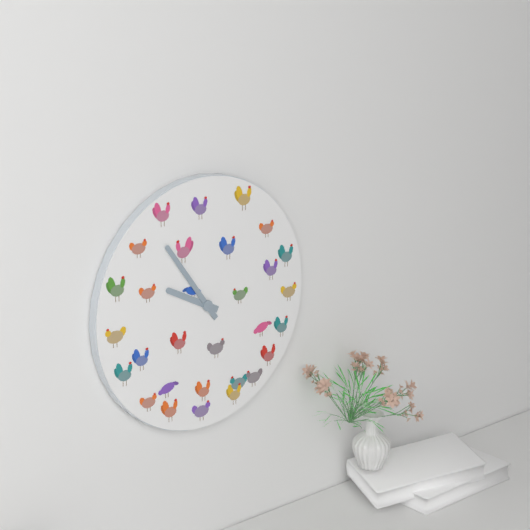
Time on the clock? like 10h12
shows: 9h54
